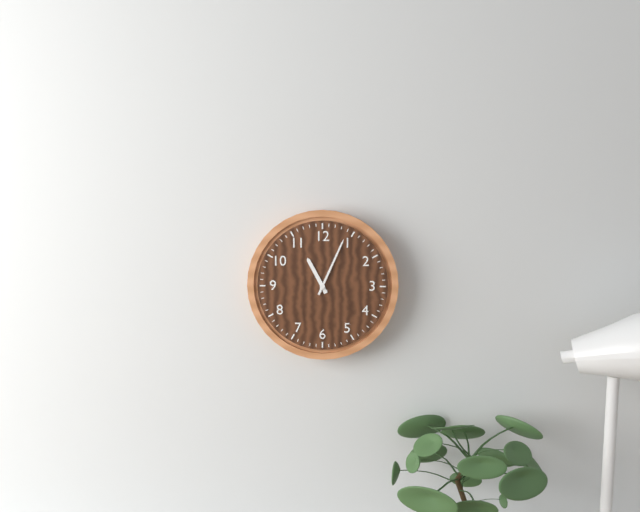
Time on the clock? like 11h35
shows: 11h04
